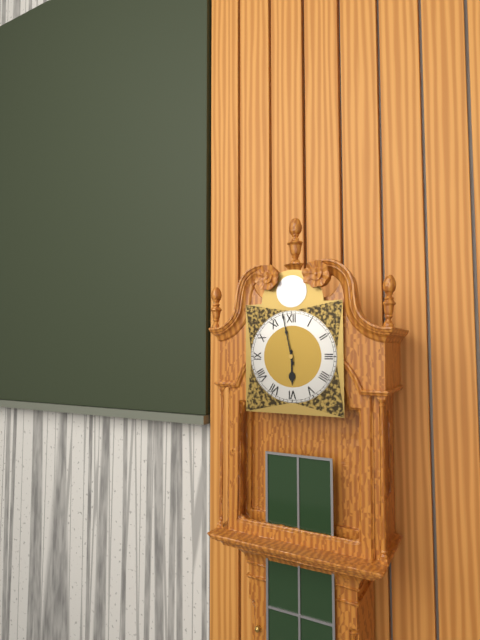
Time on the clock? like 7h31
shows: 5h58
